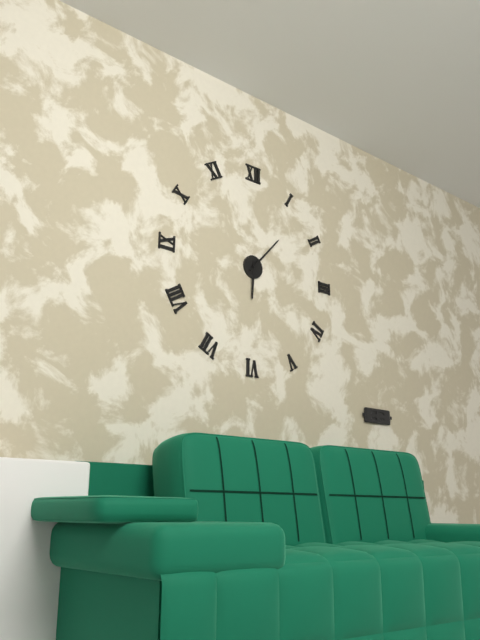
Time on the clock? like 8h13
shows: 6h07
